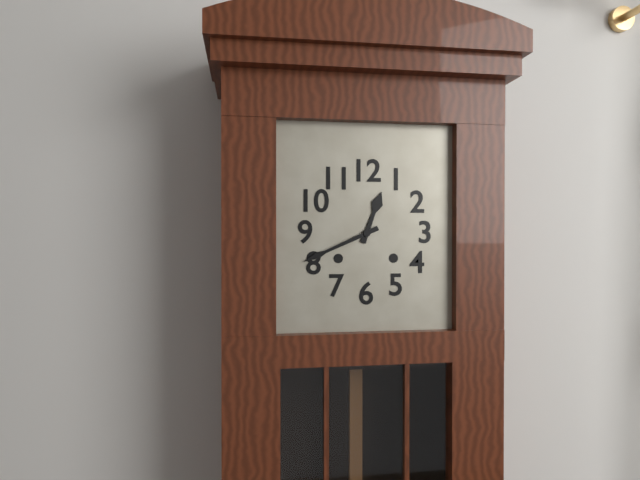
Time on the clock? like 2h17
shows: 12h41
